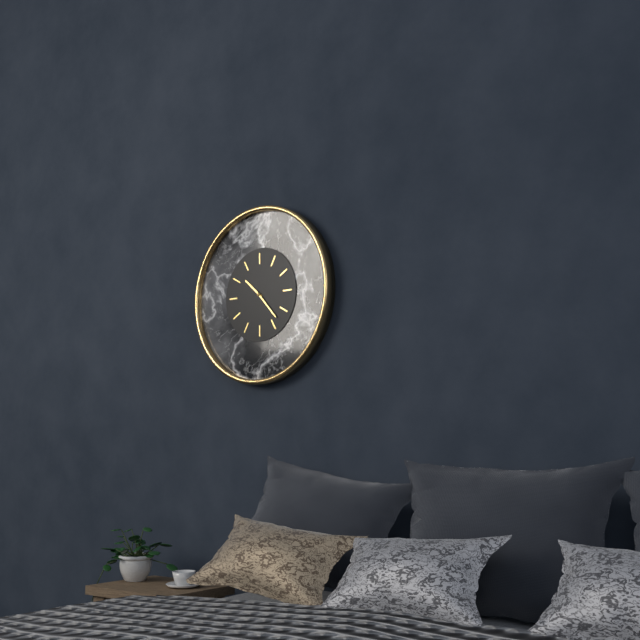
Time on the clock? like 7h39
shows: 10h23
